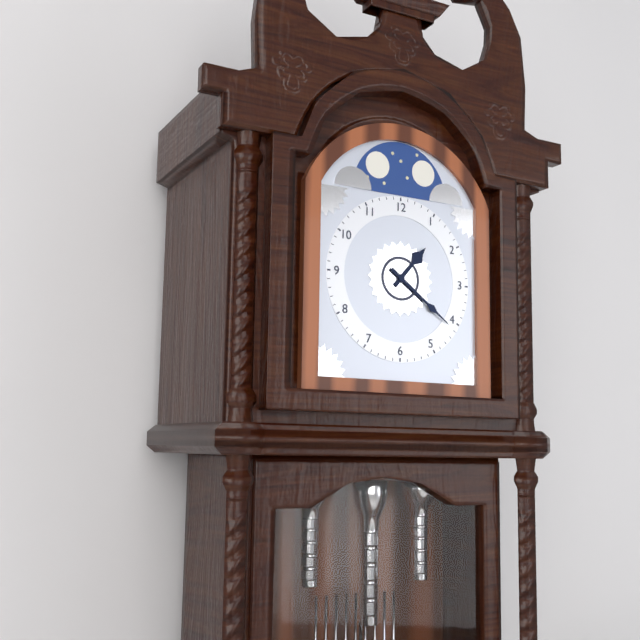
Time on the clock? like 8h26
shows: 1h21
